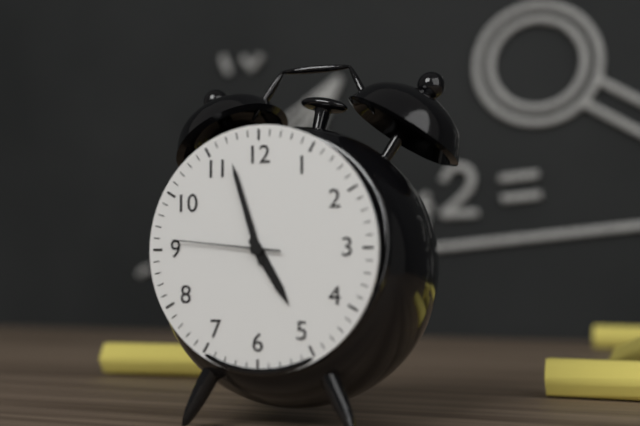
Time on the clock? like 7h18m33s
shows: 4h57m46s
